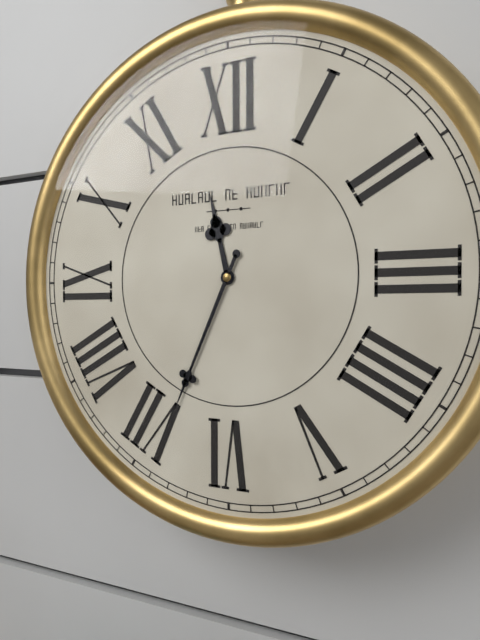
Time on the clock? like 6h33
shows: 11h34
